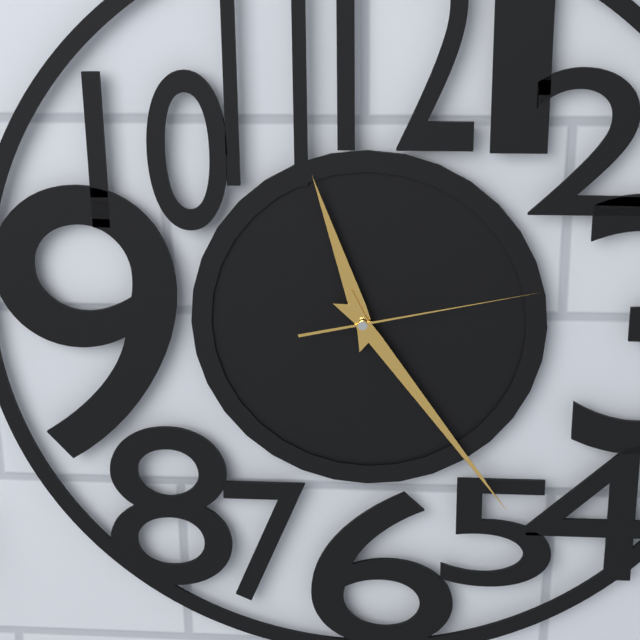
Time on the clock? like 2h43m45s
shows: 11h24m13s
